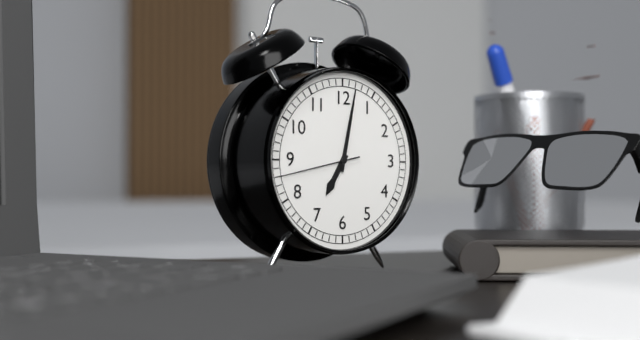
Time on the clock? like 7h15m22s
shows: 7h02m43s
